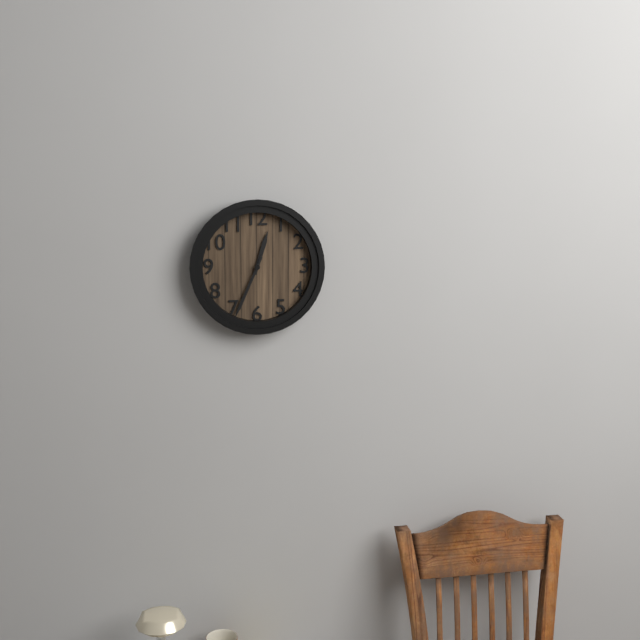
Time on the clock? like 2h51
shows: 12h34
